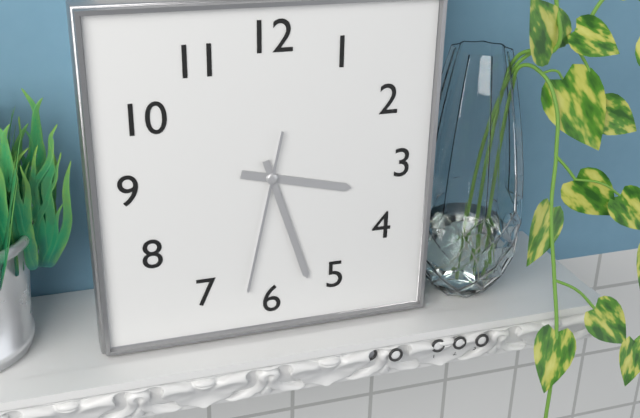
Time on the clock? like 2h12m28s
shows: 3h27m32s
